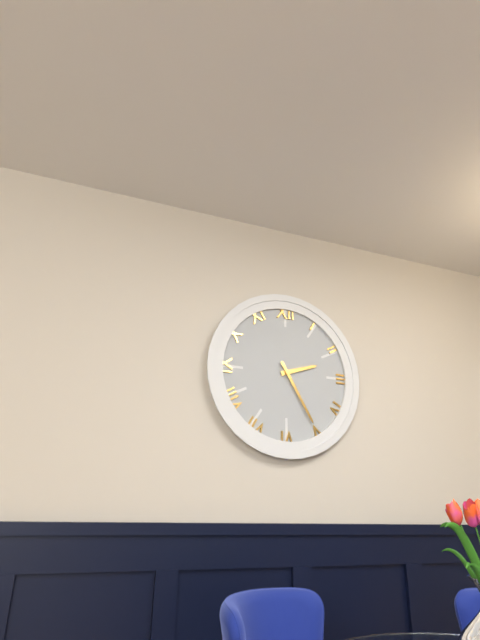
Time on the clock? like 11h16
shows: 2h25
